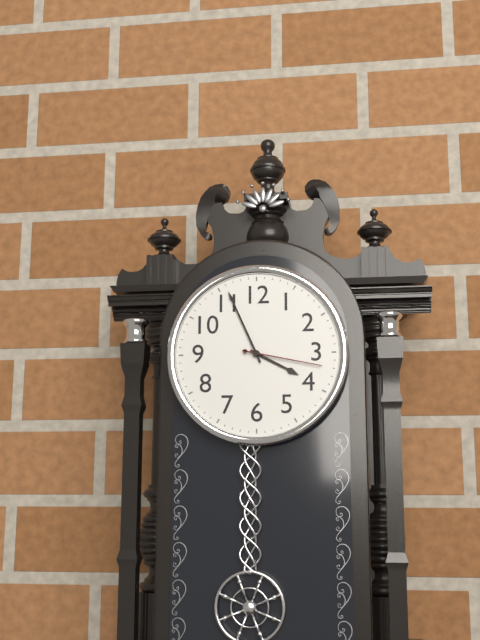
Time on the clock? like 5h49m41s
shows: 3h56m17s
